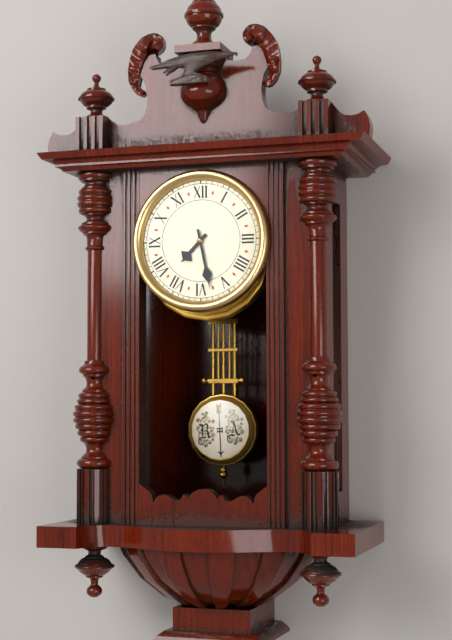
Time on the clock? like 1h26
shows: 7h28
